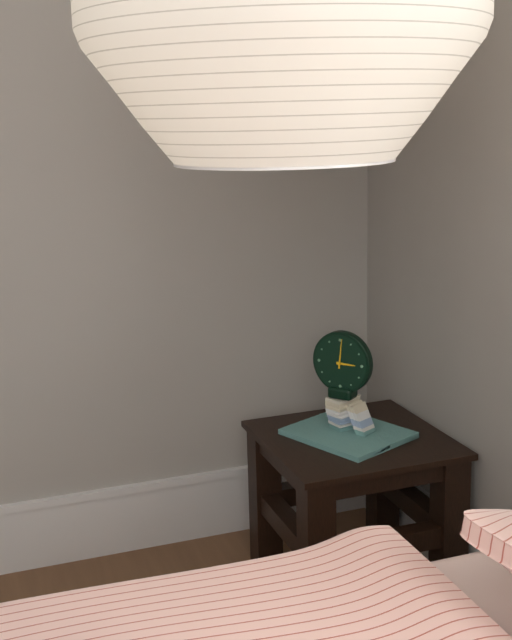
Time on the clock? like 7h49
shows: 3h01
